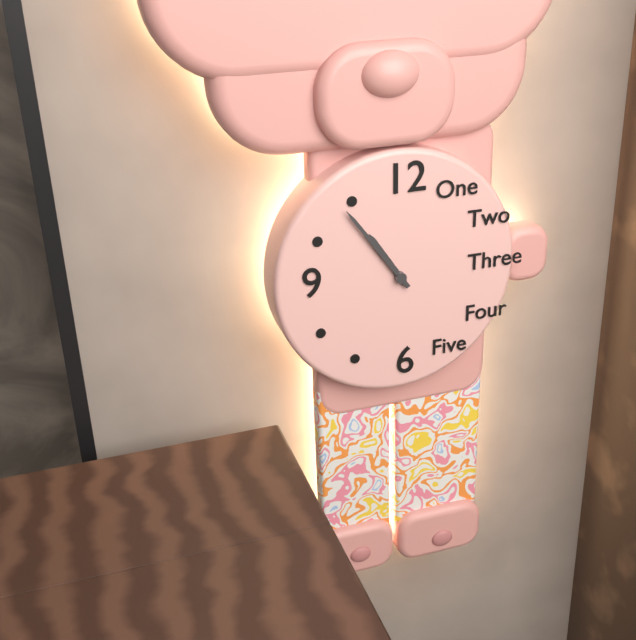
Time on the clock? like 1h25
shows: 10h54
